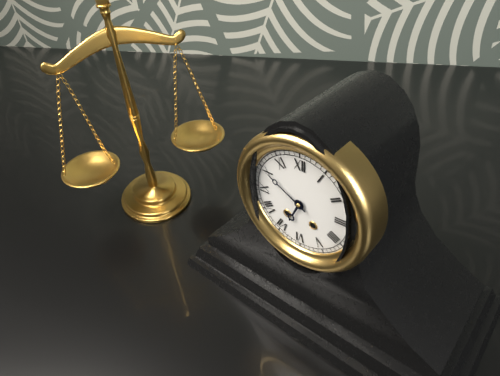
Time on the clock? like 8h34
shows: 6h50
